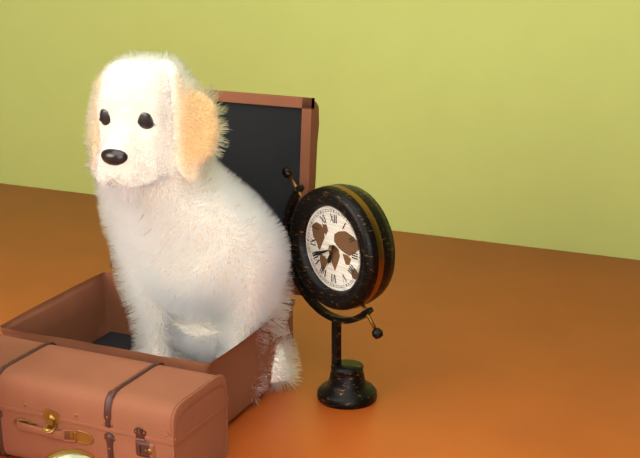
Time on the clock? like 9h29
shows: 6h41
